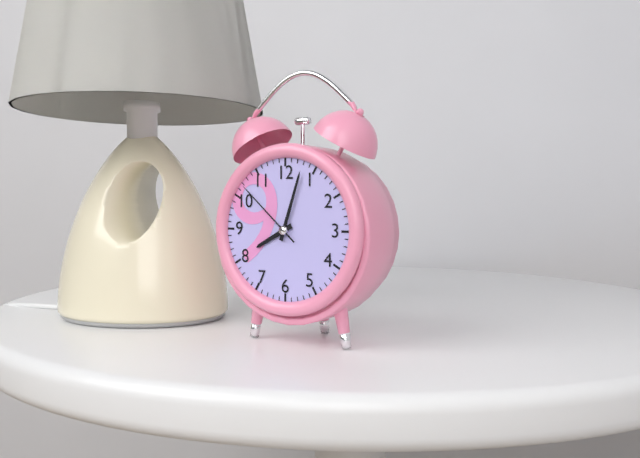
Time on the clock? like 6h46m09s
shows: 8h03m52s
